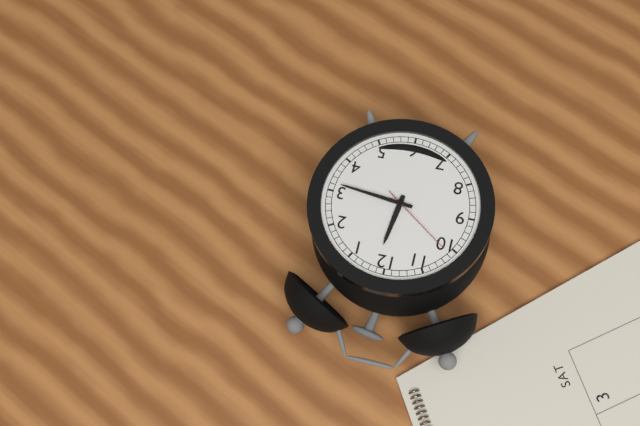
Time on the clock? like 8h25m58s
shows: 12h16m51s
